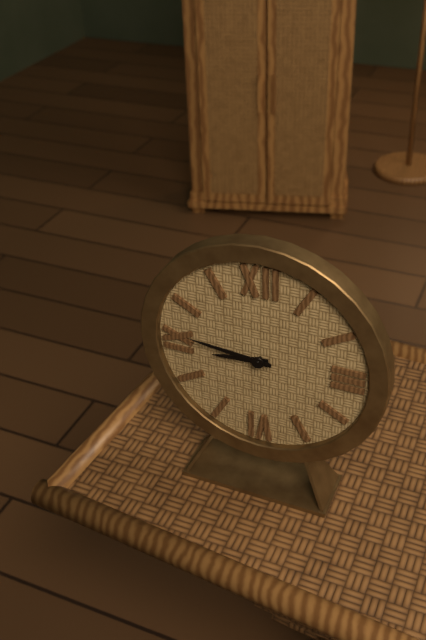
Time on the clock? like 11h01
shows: 8h46
